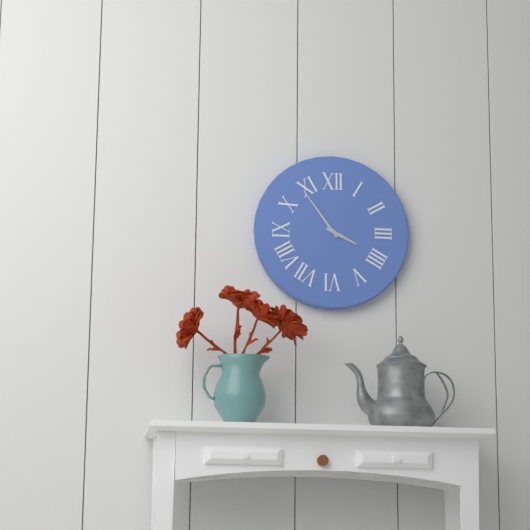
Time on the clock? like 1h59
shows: 3h54
